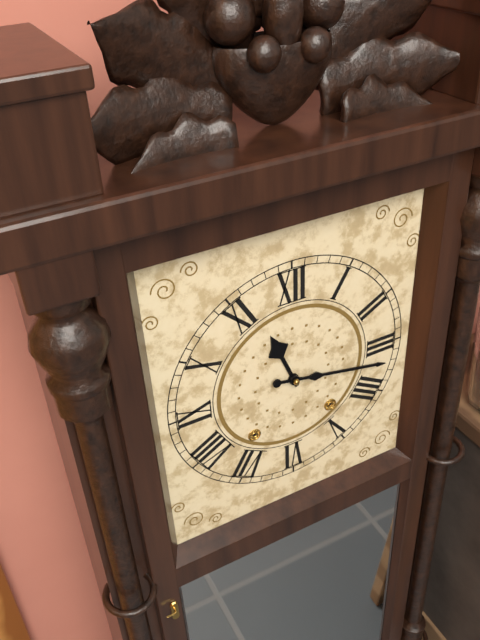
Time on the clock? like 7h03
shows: 11h17
